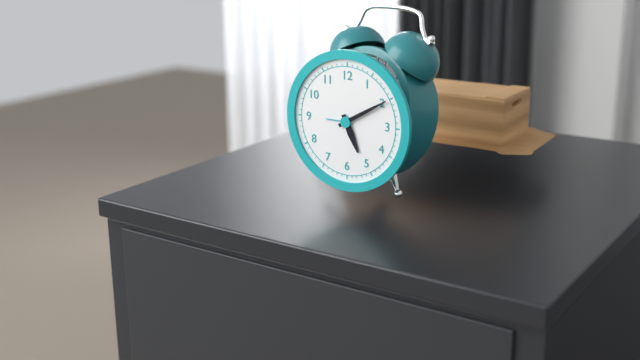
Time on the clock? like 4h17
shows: 5h10
